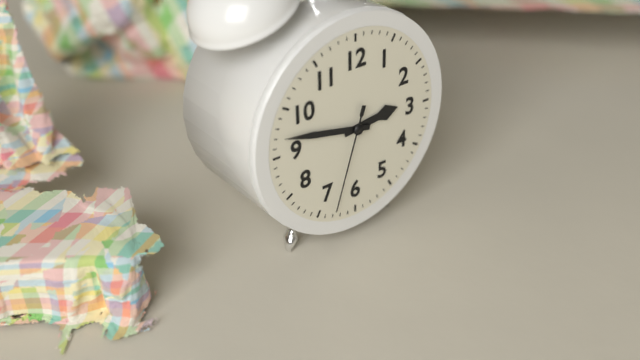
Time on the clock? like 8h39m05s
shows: 2h47m33s
